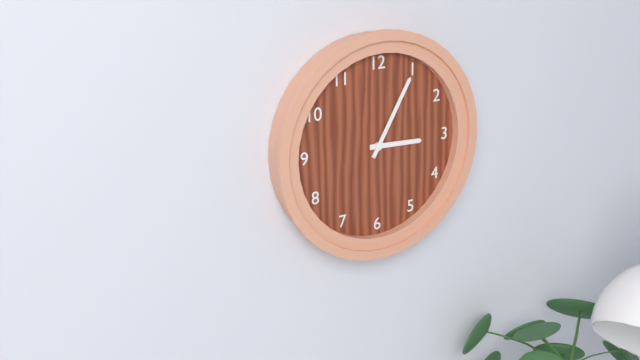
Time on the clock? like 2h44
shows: 3h05
